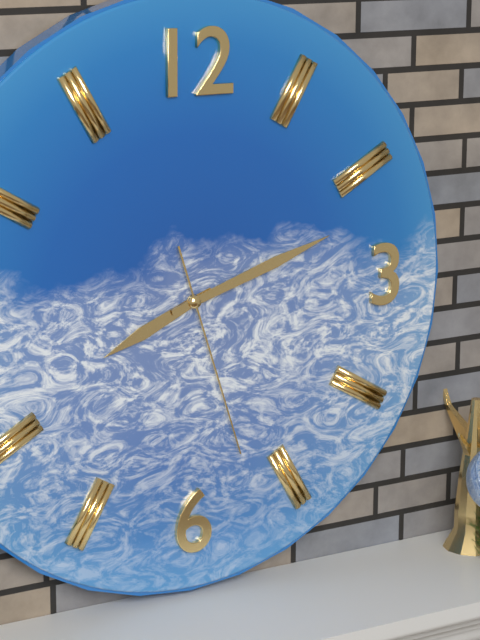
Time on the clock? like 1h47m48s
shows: 8h12m27s
